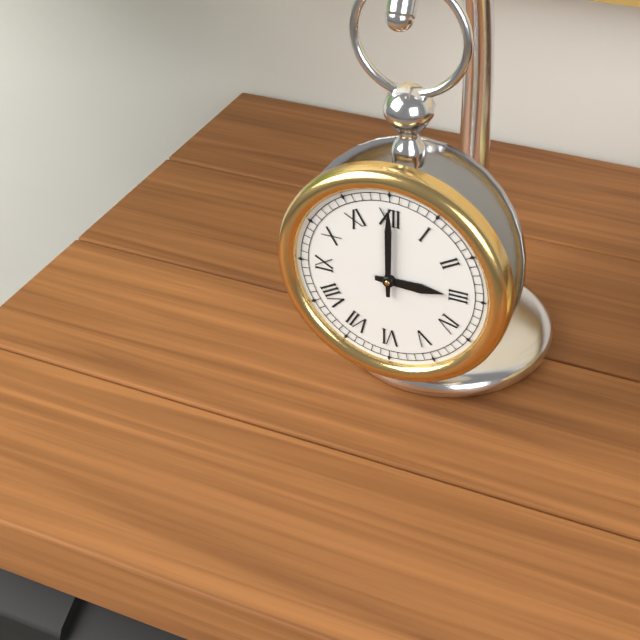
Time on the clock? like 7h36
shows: 3h00
